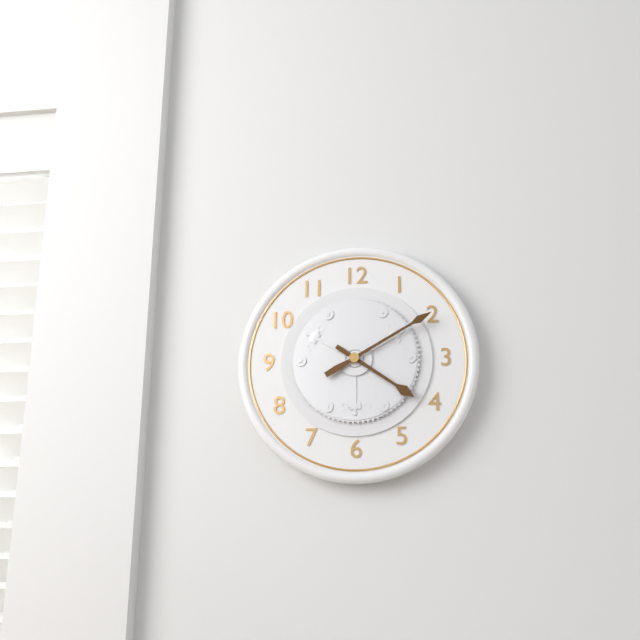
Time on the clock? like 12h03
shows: 4h10
